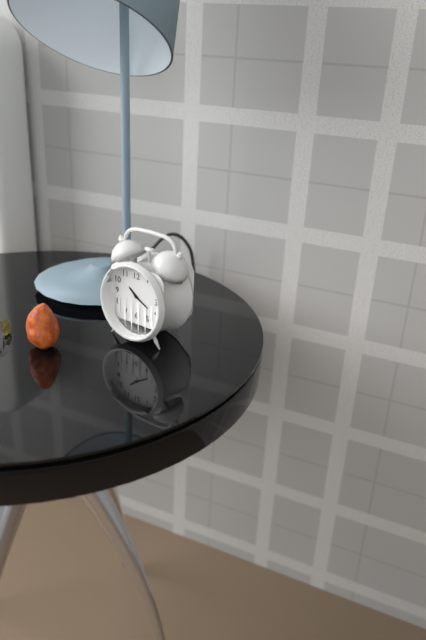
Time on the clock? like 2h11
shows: 10h20
